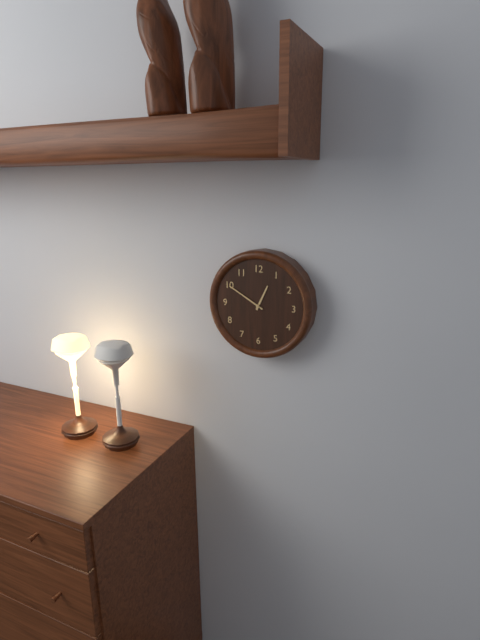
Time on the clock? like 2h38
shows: 12h50
